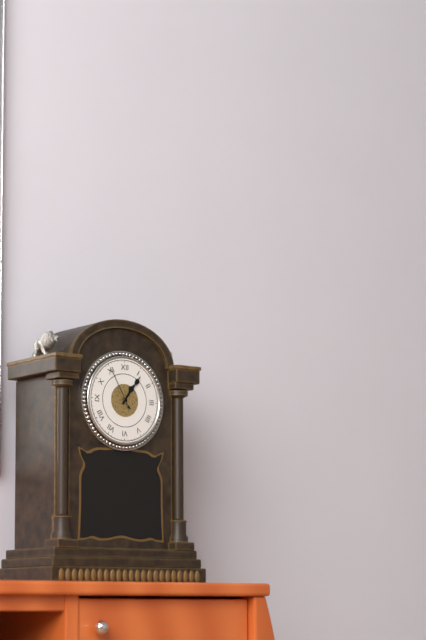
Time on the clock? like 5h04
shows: 1h06
